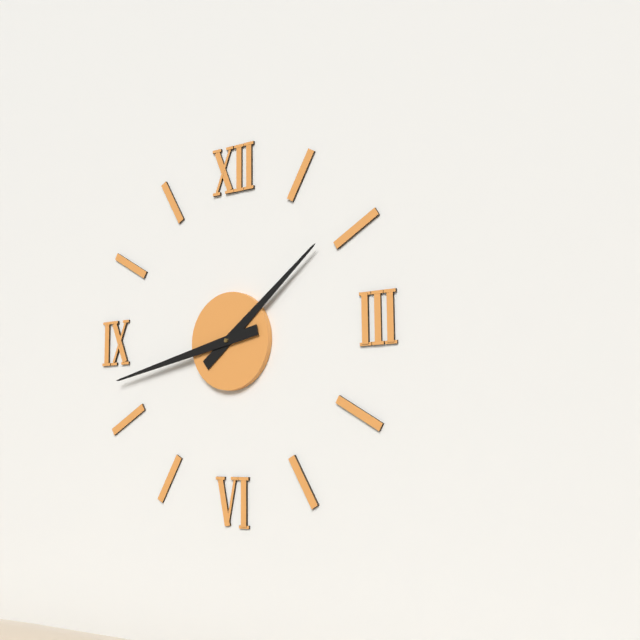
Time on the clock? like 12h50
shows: 1h43
